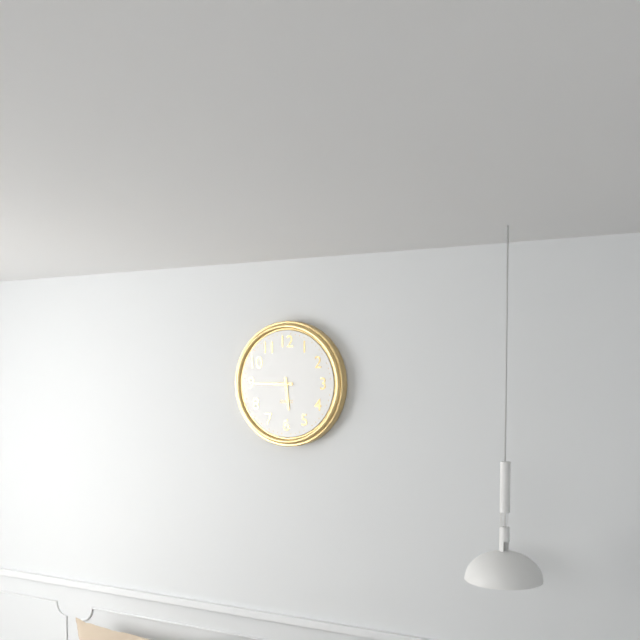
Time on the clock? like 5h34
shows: 5h45
